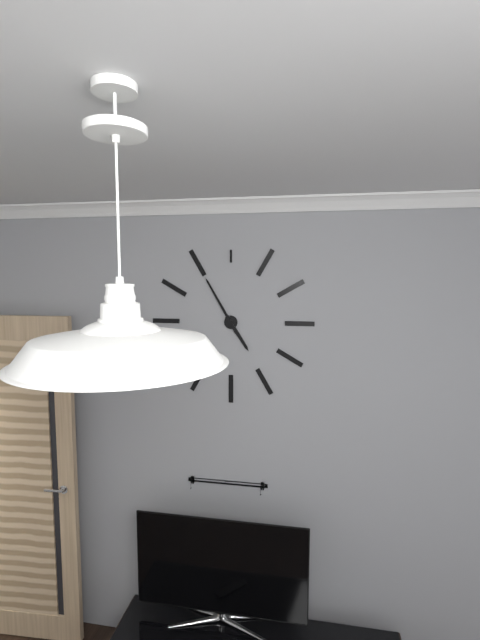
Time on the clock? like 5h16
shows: 4h55
